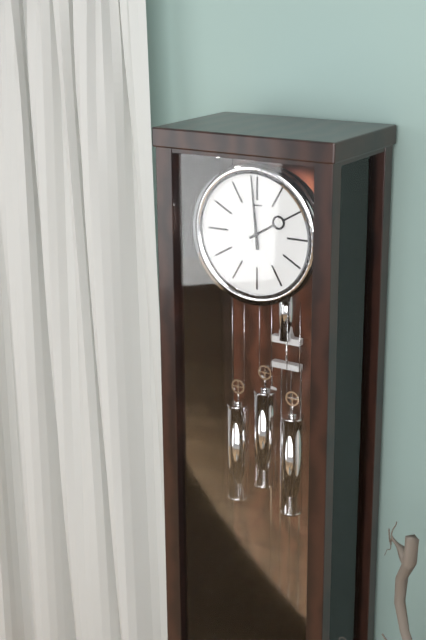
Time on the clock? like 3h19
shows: 1h59
